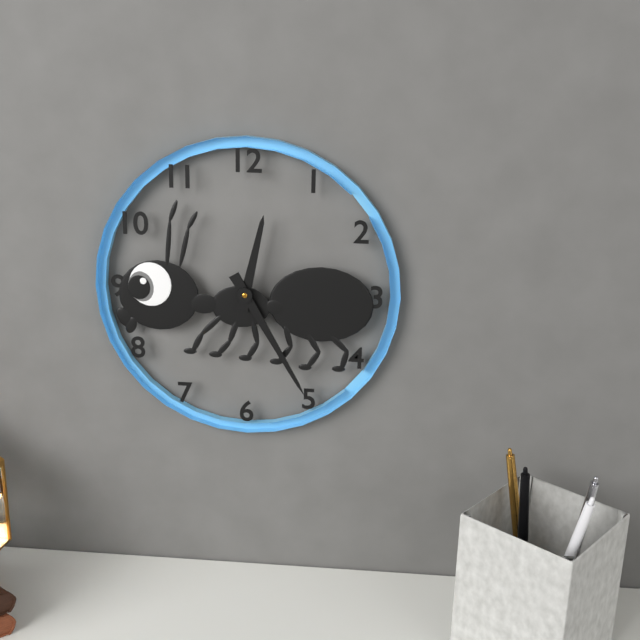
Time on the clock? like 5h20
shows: 12h25
